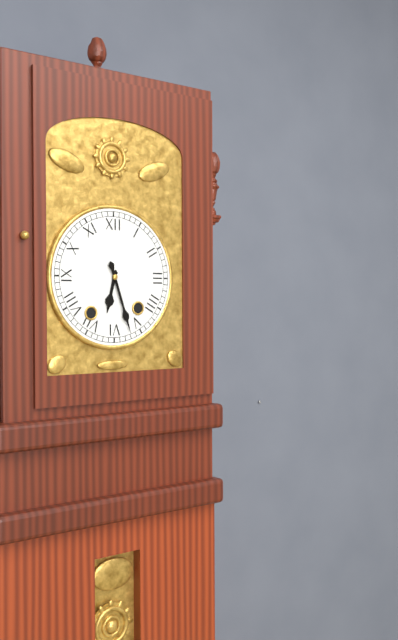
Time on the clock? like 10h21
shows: 6h27
